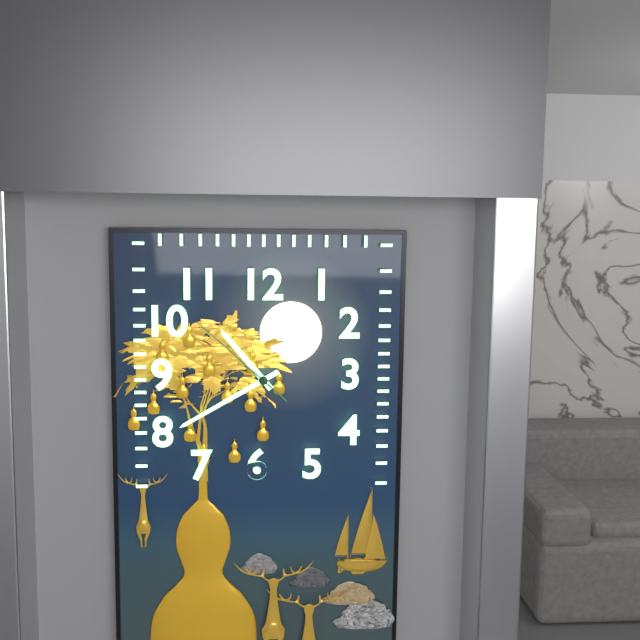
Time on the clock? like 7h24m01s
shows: 10h40m52s
